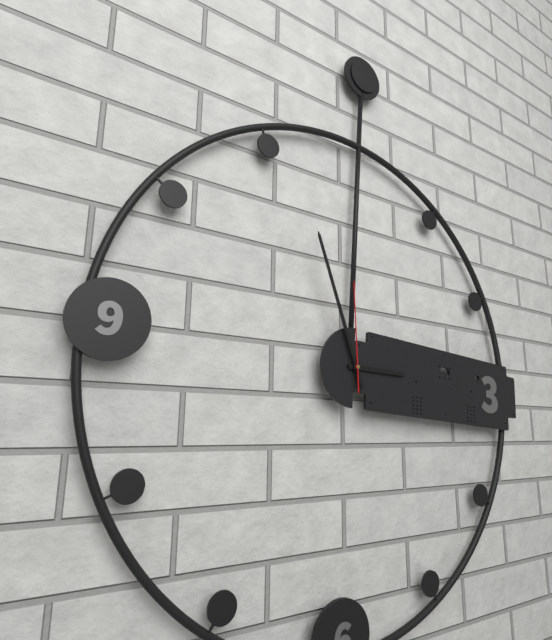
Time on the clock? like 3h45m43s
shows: 2h56m59s
